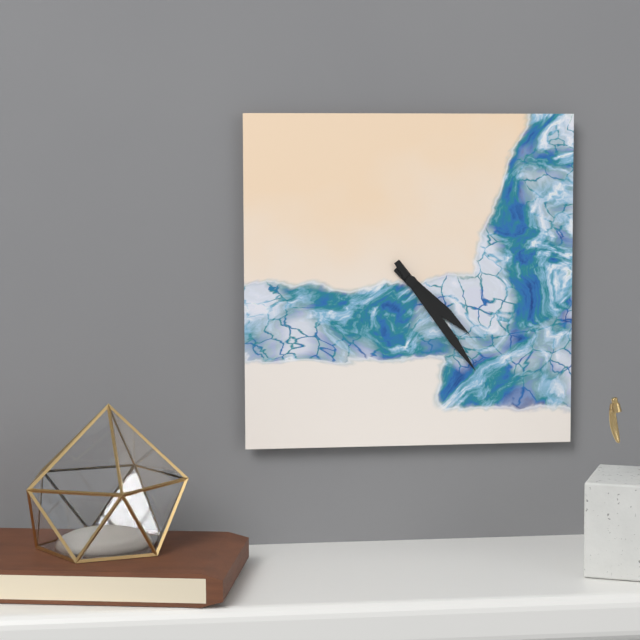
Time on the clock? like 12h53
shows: 4h24
